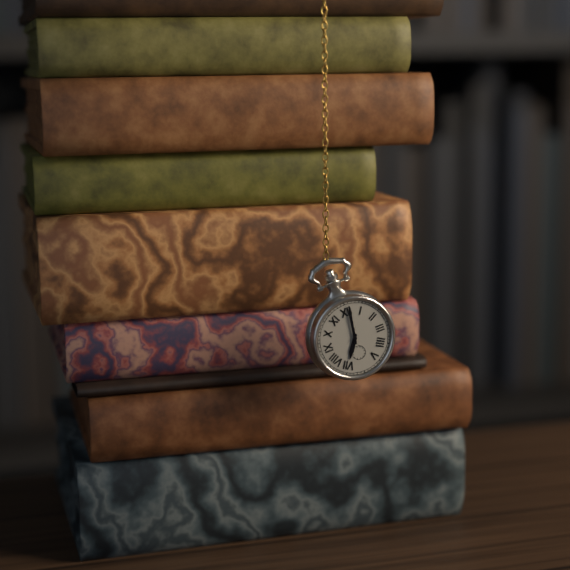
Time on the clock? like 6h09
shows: 7h01
